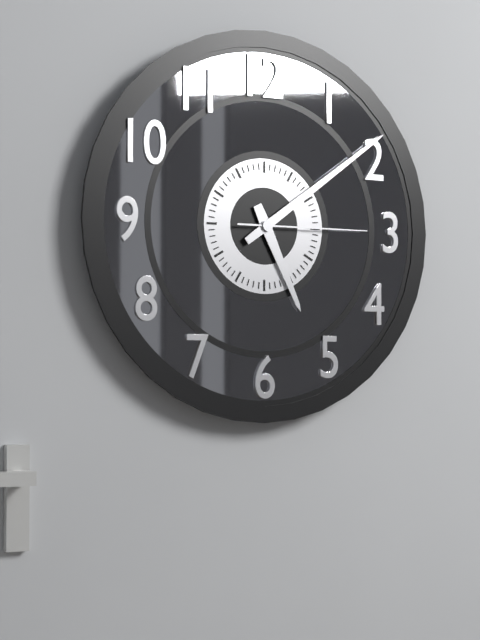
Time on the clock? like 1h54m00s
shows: 5h09m15s
